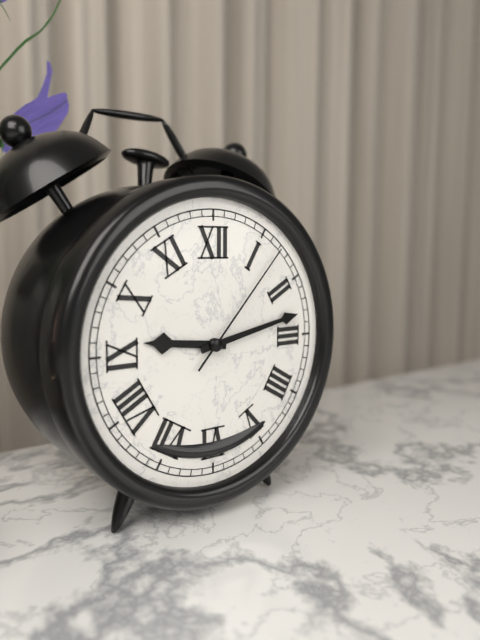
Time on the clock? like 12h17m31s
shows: 9h13m07s
